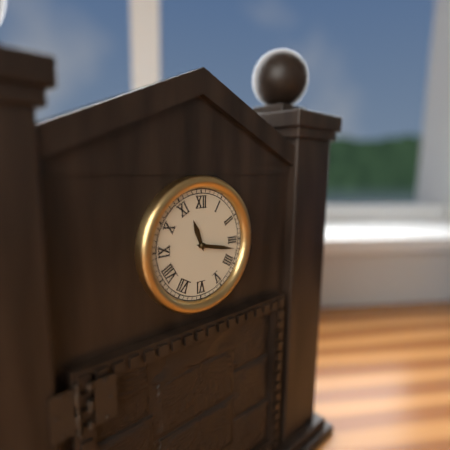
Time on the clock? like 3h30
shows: 11h17
